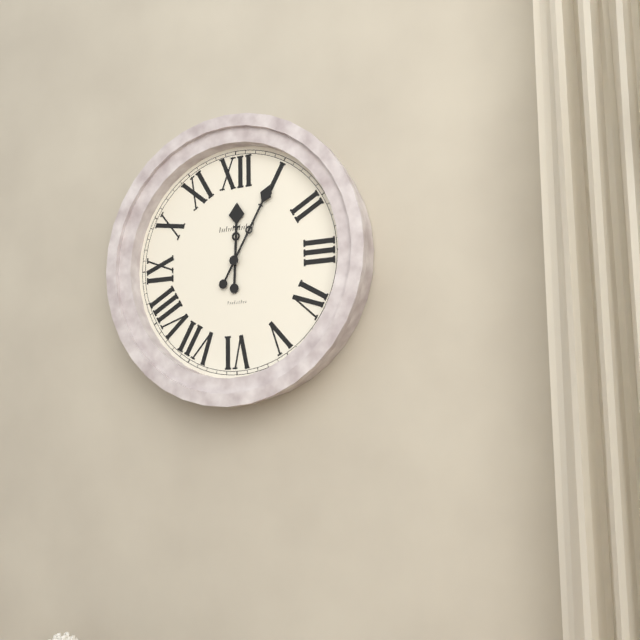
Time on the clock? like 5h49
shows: 12h05
